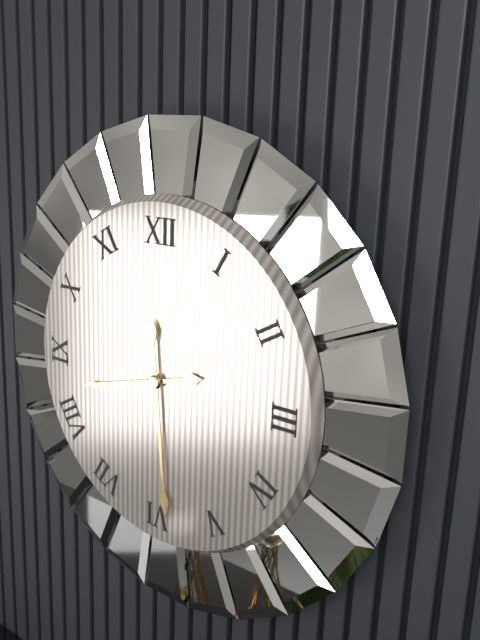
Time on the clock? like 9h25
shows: 8h29
